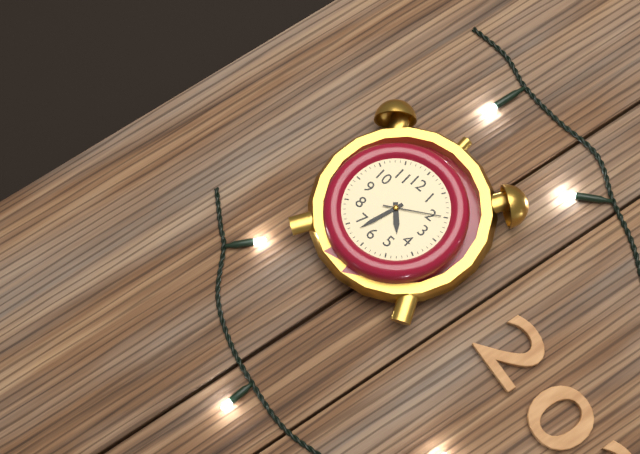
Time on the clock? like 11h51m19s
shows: 4h33m10s
